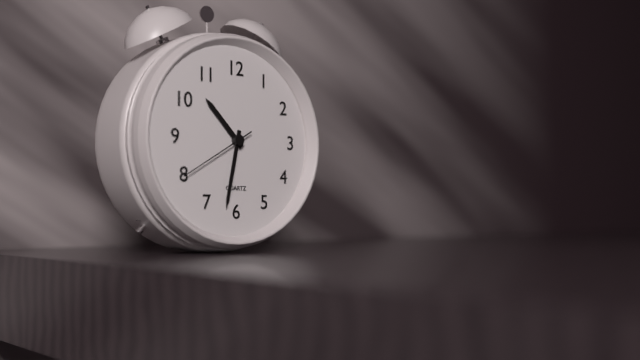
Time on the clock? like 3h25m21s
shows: 10h32m40s
